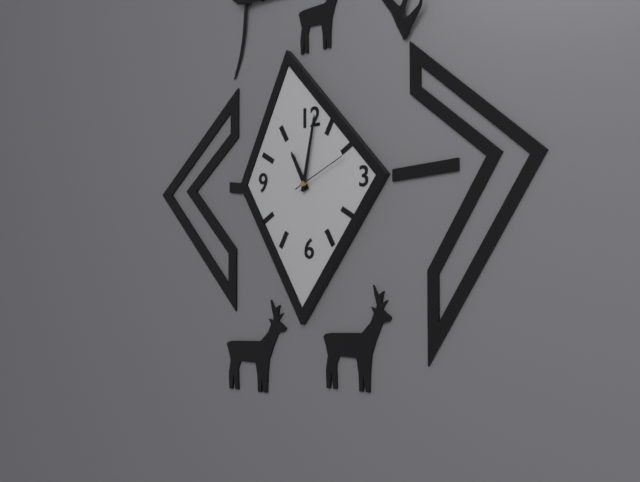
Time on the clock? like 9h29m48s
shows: 11h02m11s
